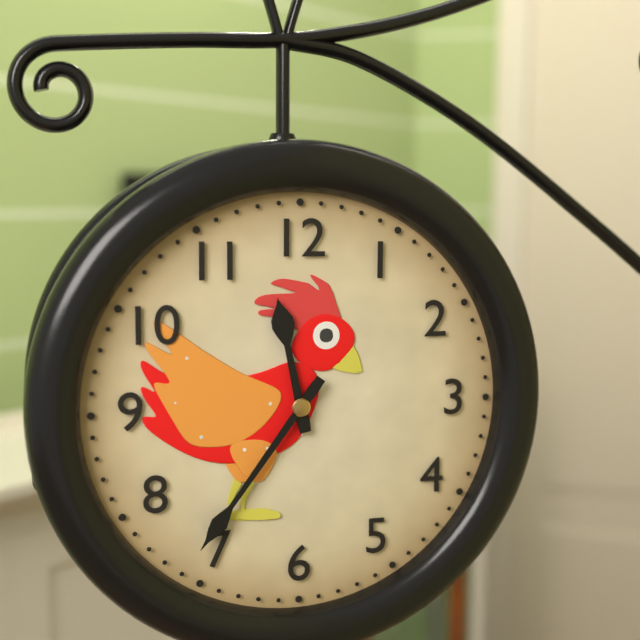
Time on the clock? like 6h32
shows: 11h36
